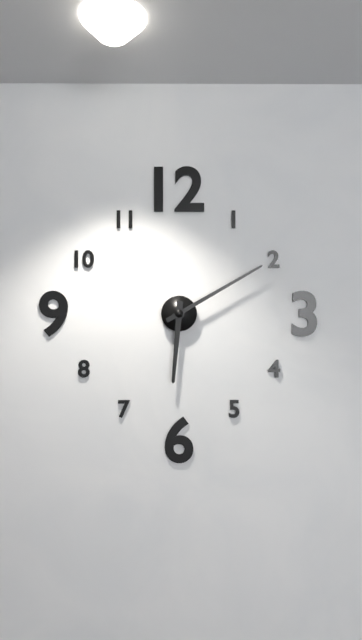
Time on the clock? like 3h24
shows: 6h10
